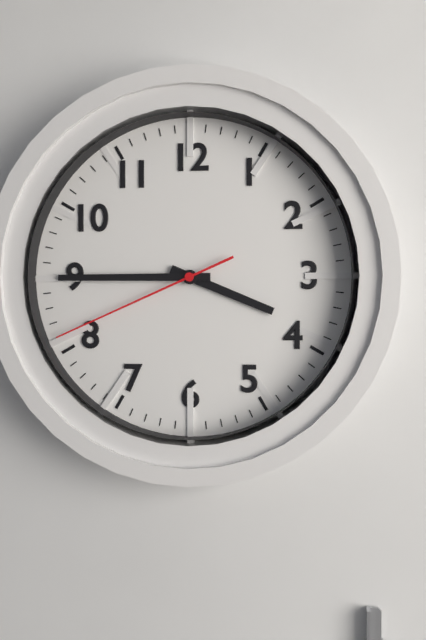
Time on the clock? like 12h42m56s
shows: 3h45m41s
